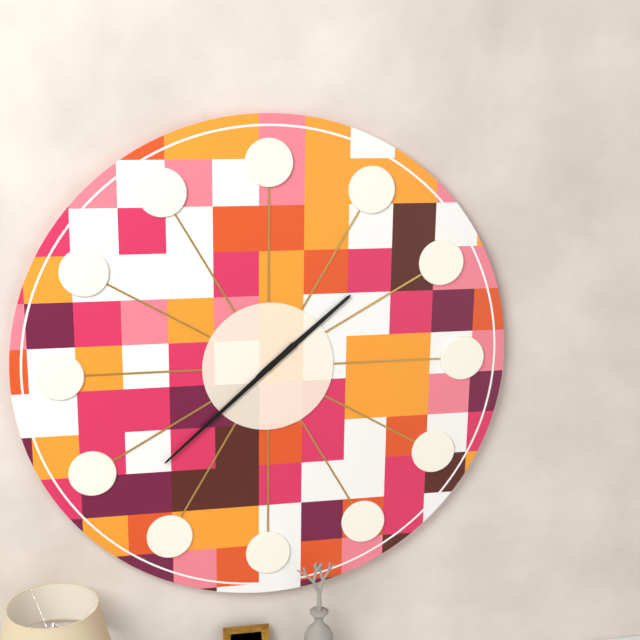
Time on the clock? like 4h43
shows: 1h38
